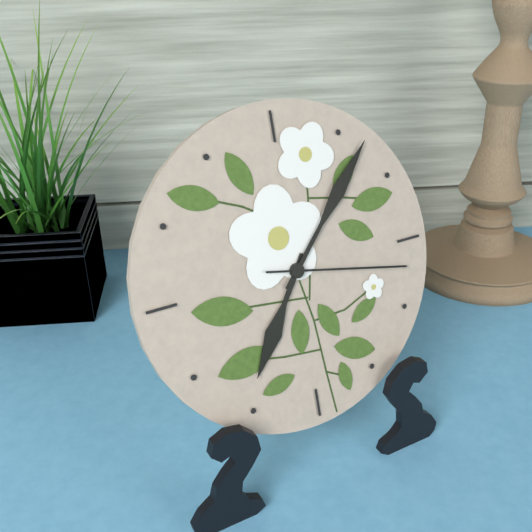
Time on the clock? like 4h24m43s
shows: 7h07m17s
